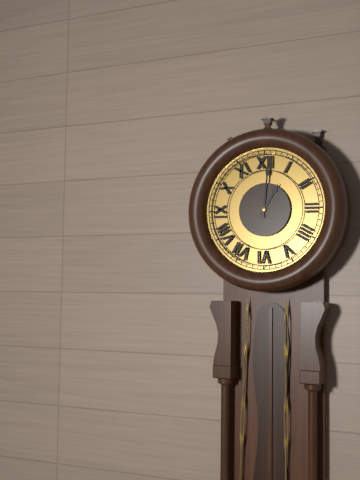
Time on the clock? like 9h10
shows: 1h01
